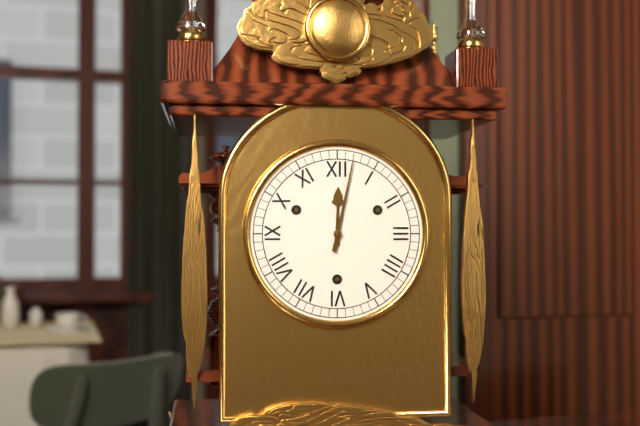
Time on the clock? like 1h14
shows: 12h02
